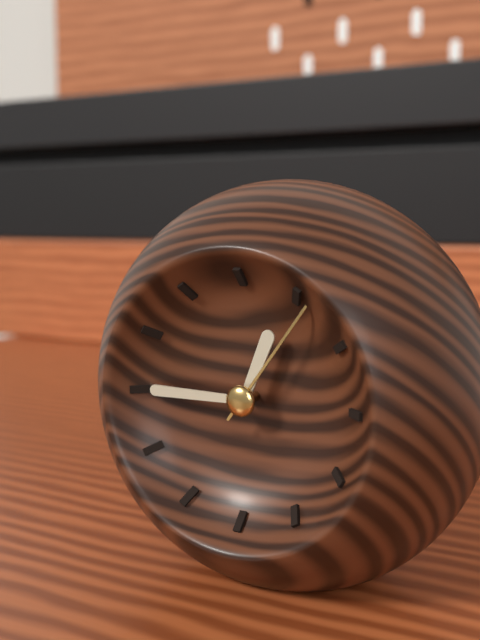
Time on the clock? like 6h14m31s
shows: 12h45m06s
